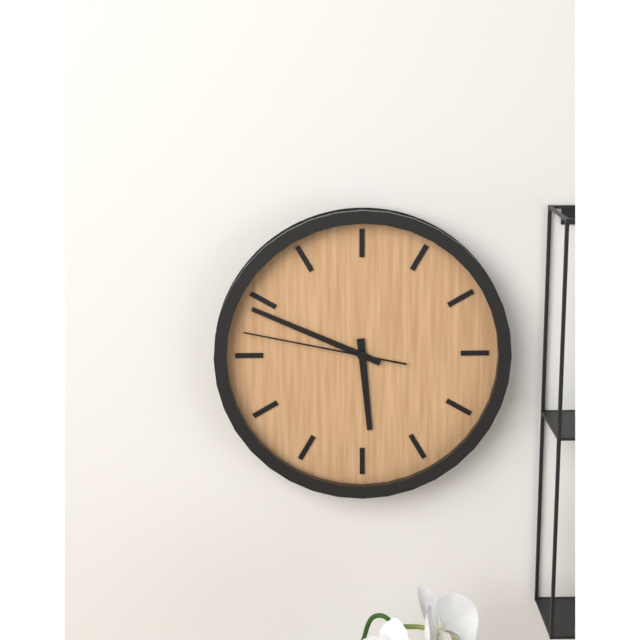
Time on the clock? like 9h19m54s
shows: 5h49m47s
